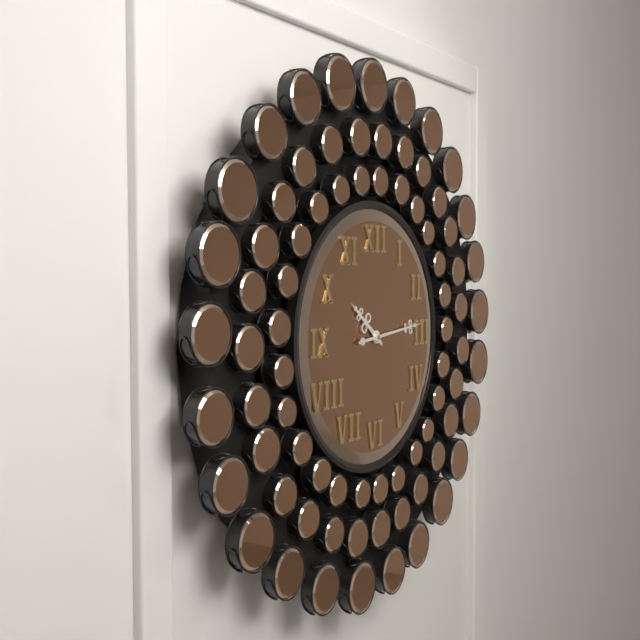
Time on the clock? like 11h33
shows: 10h14
